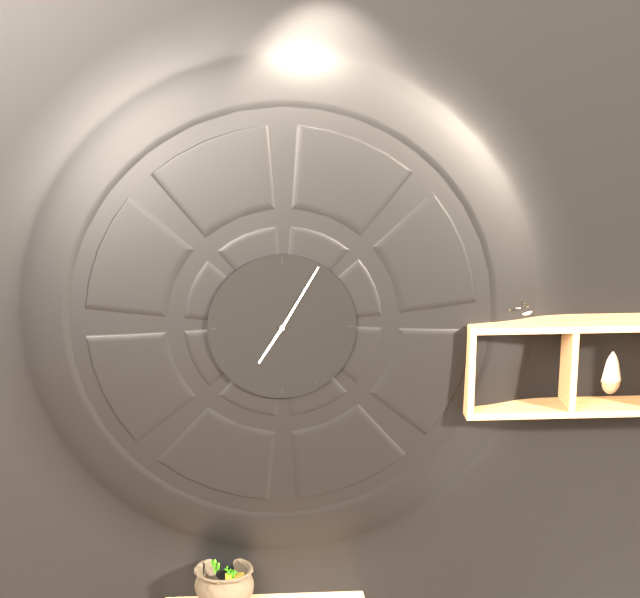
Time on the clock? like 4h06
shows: 7h05
